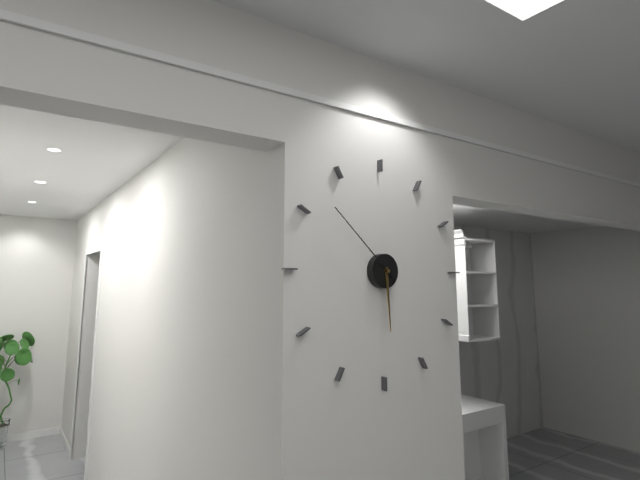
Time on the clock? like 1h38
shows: 5h52
